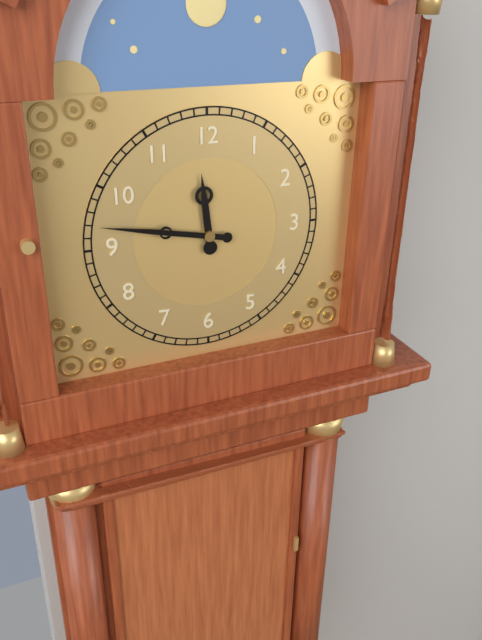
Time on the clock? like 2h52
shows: 11h47
